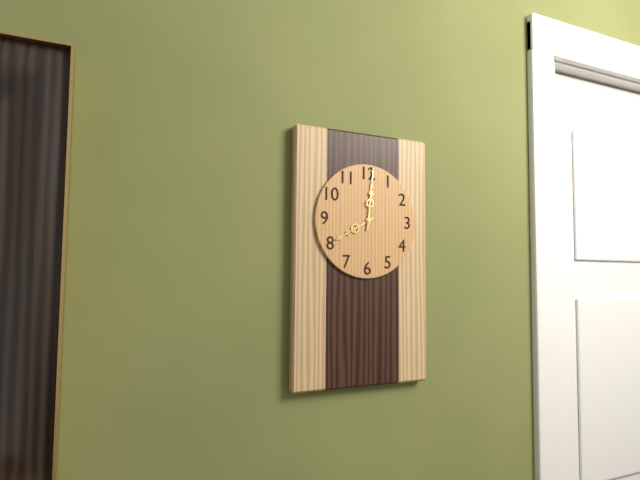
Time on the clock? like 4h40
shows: 8h01
